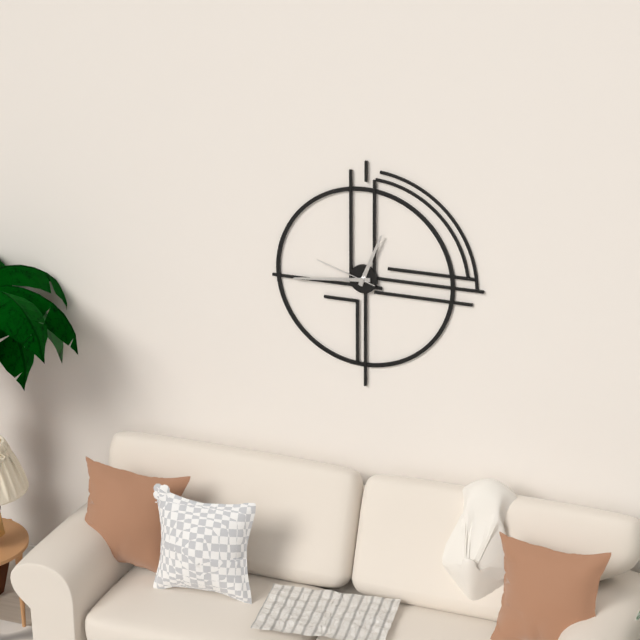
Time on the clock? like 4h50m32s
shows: 12h44m48s
